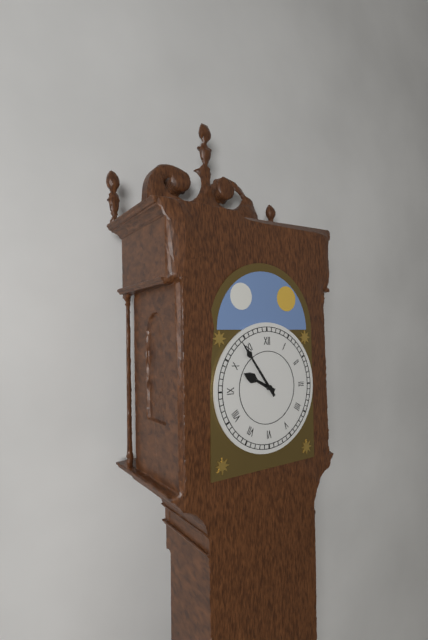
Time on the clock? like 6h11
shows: 9h54
